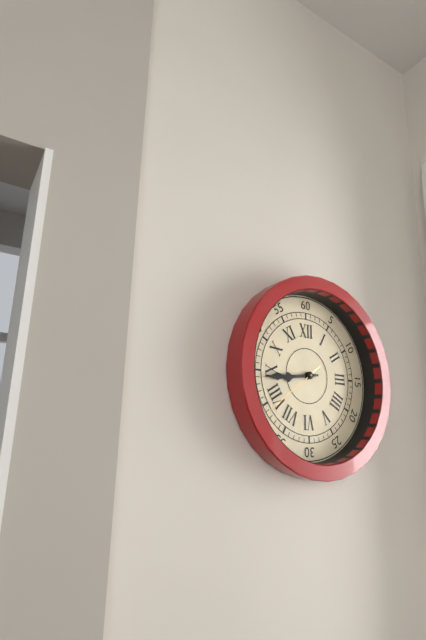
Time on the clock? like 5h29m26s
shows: 8h44m39s
